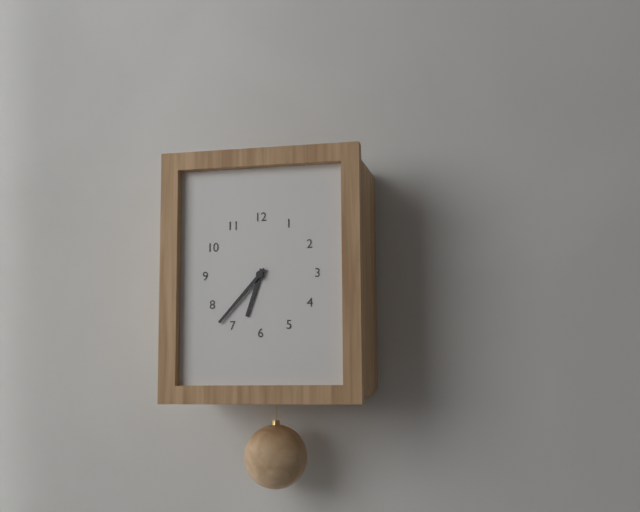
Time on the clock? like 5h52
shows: 6h37
